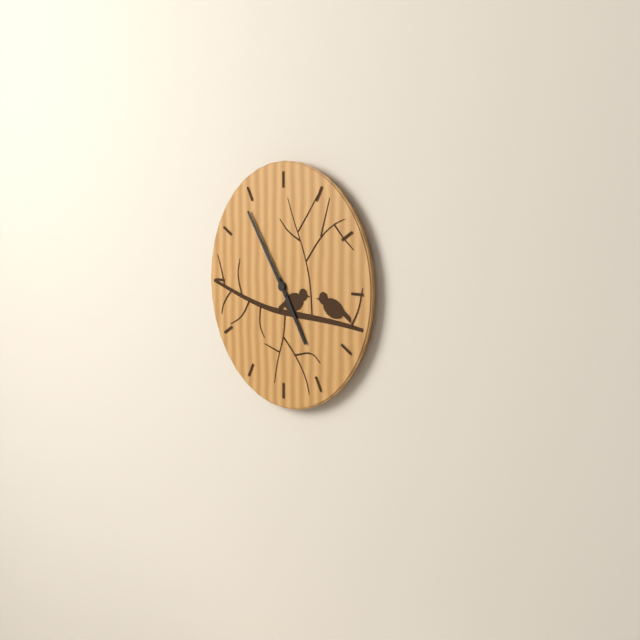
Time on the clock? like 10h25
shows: 4h54
